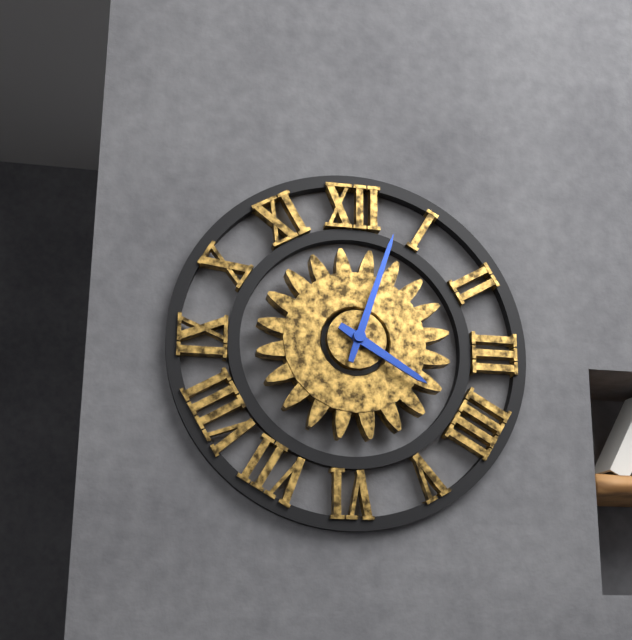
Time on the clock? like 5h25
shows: 4h03
